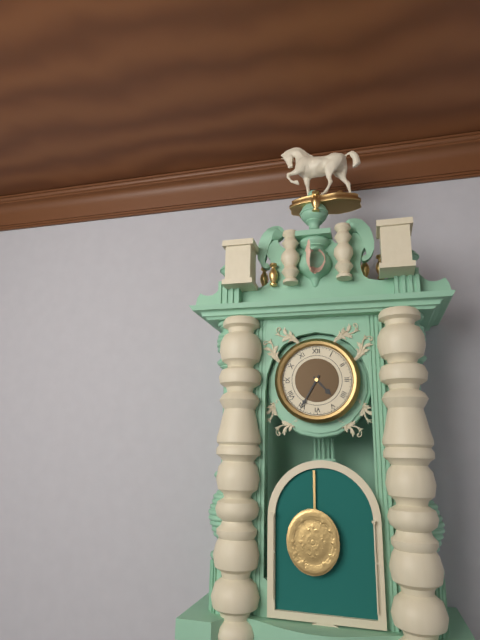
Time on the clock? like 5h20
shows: 4h35
